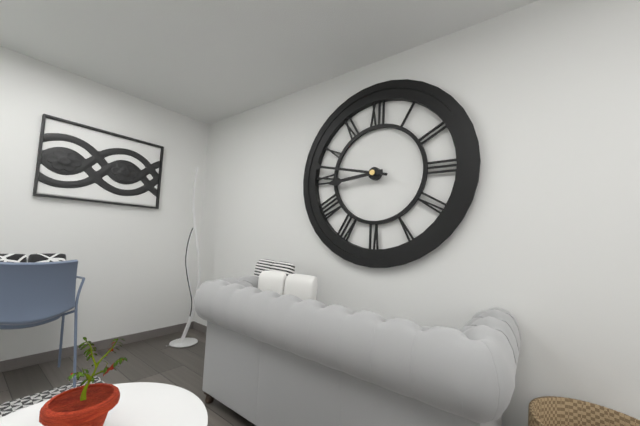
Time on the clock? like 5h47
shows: 8h47
